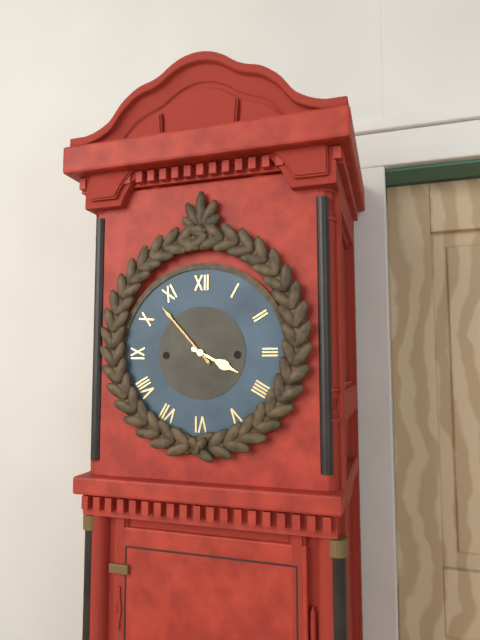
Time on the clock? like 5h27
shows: 3h53
